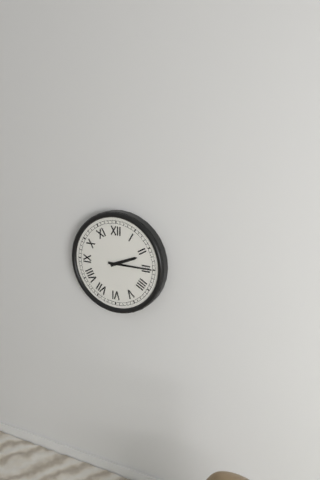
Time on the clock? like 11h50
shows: 2h15
